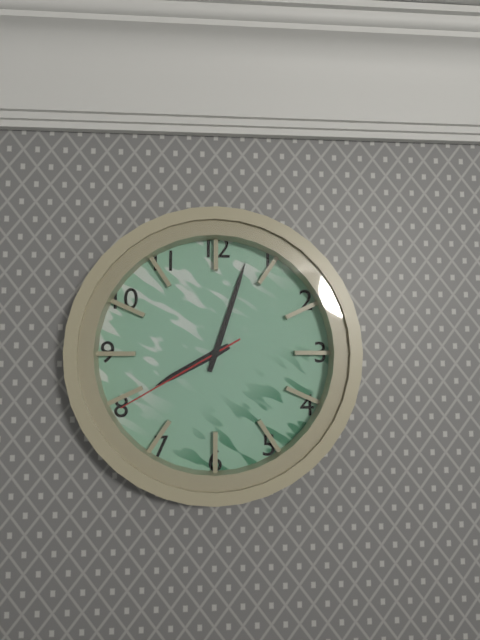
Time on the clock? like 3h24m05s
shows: 8h03m40s
